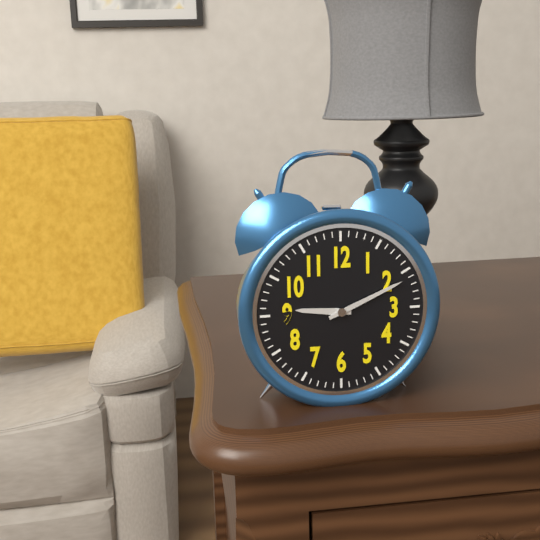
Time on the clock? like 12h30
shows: 9h11
